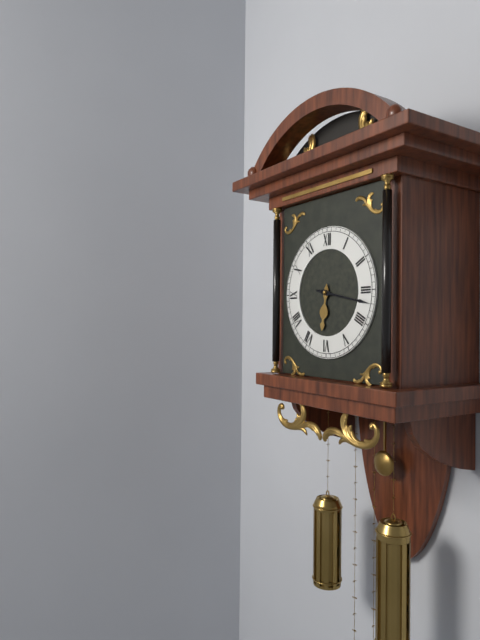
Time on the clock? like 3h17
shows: 6h17
